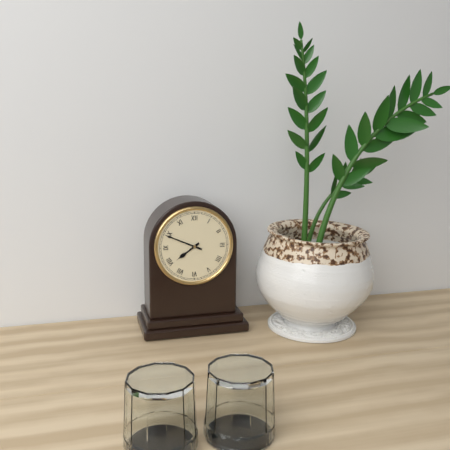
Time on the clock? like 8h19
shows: 7h49
